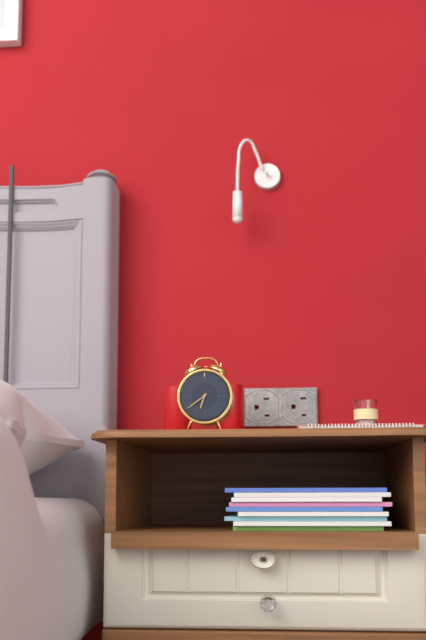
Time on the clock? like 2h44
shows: 6h39
